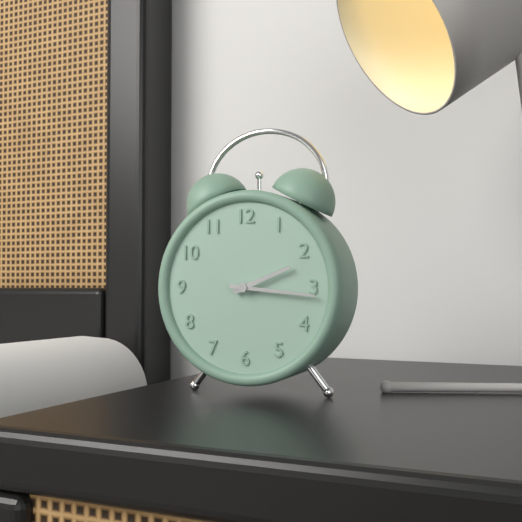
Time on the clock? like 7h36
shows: 2h16
